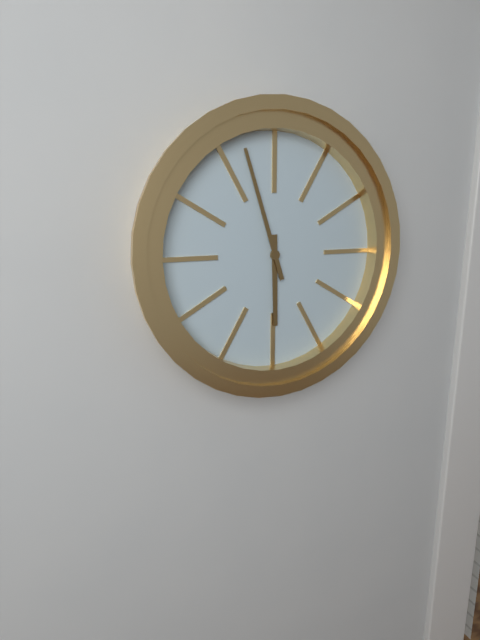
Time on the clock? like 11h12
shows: 5h57
